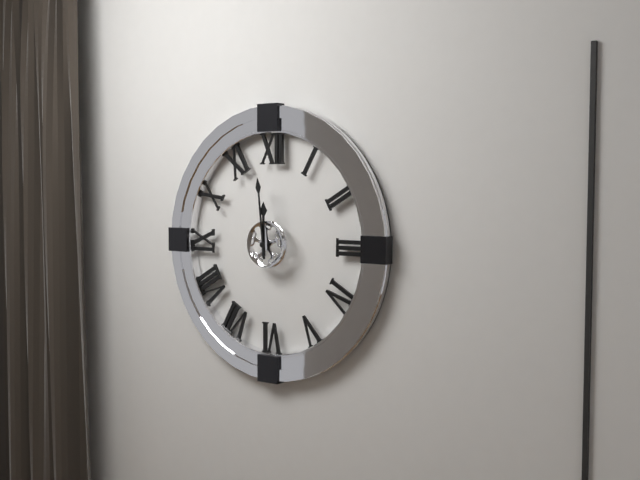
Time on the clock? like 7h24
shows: 11h59
